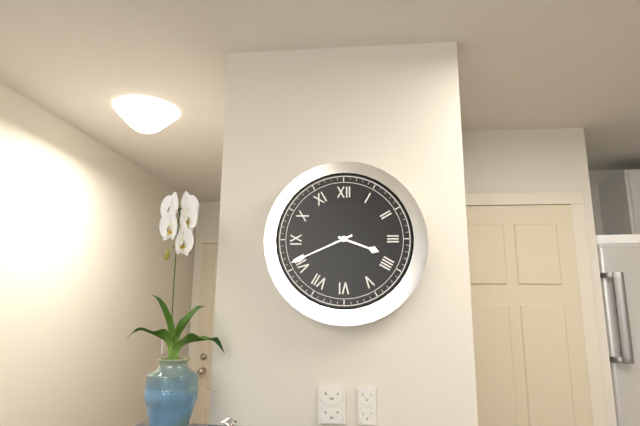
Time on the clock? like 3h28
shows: 3h41
